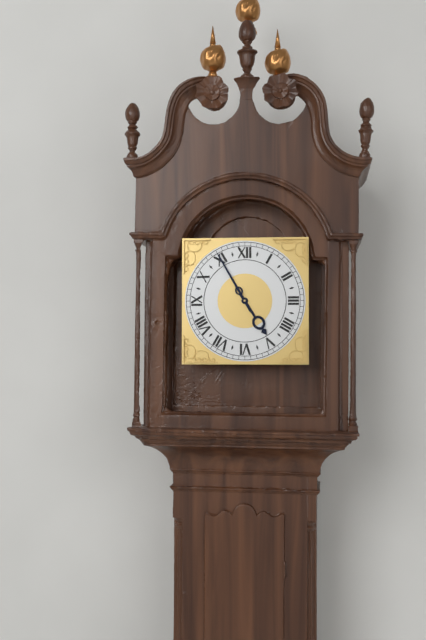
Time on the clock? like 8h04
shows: 4h55
